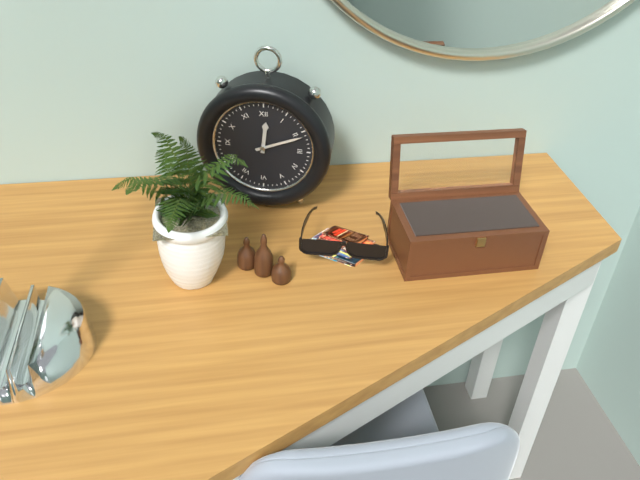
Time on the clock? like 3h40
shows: 12h11
